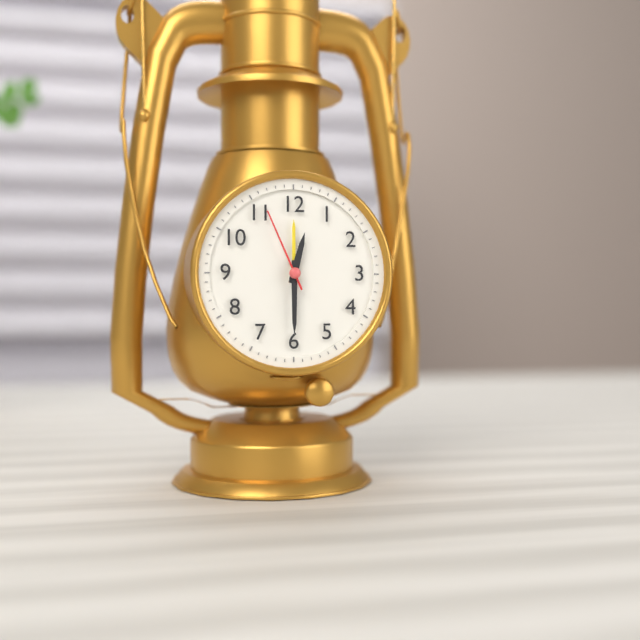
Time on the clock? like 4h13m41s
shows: 12h30m56s
